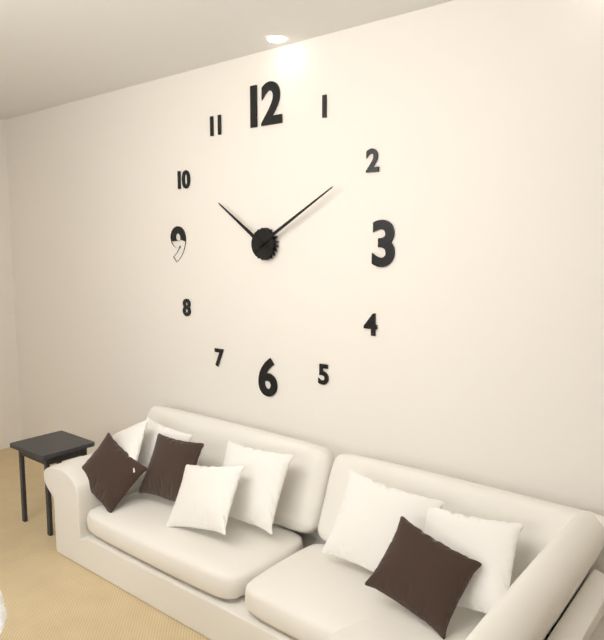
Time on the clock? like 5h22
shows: 10h10
